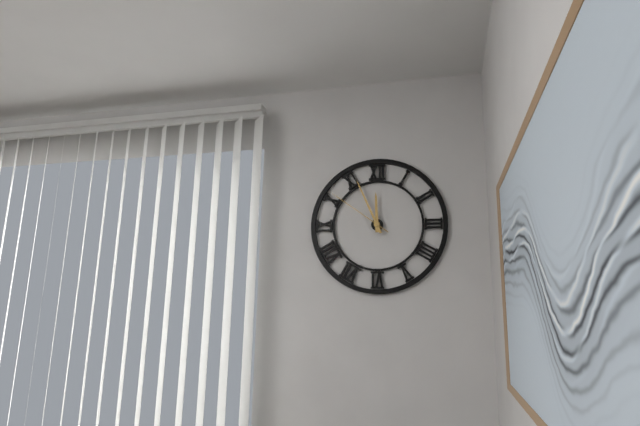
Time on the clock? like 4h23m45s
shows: 11h56m51s
